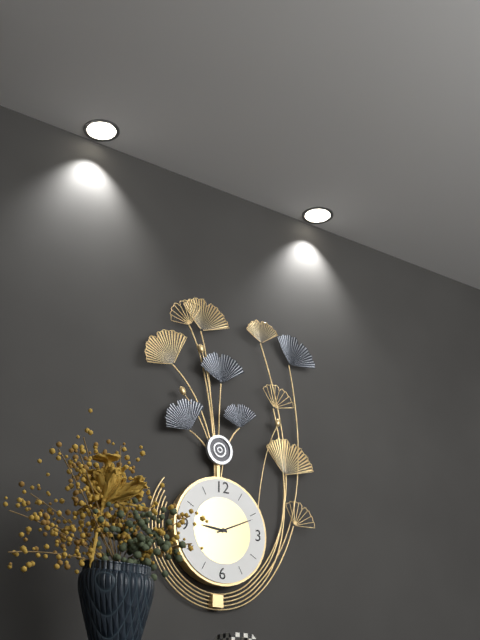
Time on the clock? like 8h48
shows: 9h11
